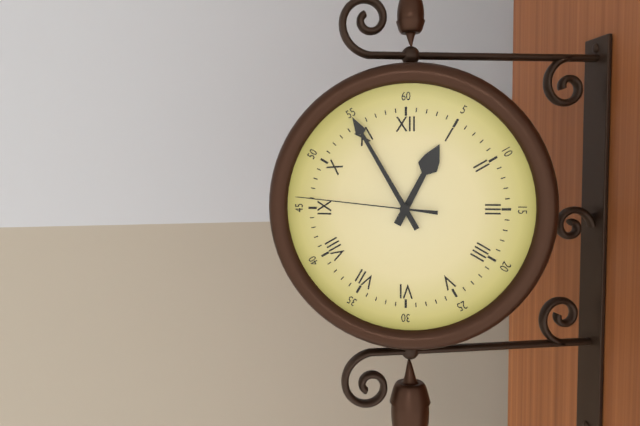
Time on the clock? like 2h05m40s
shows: 12h55m46s
